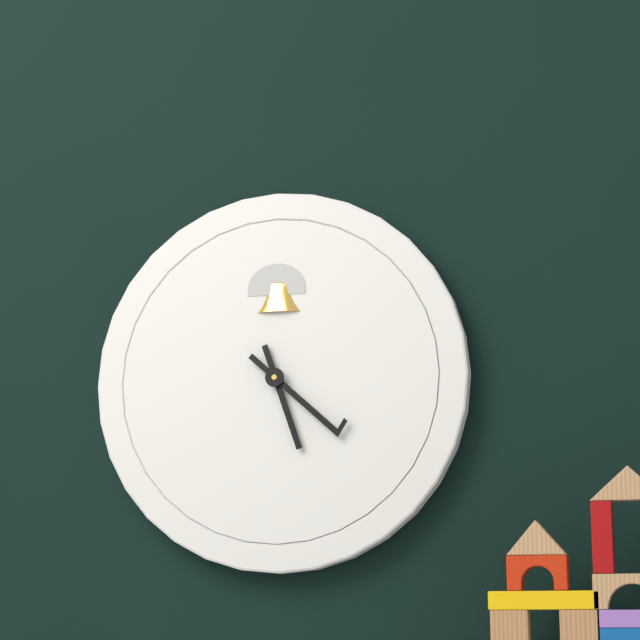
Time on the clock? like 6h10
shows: 5h22
